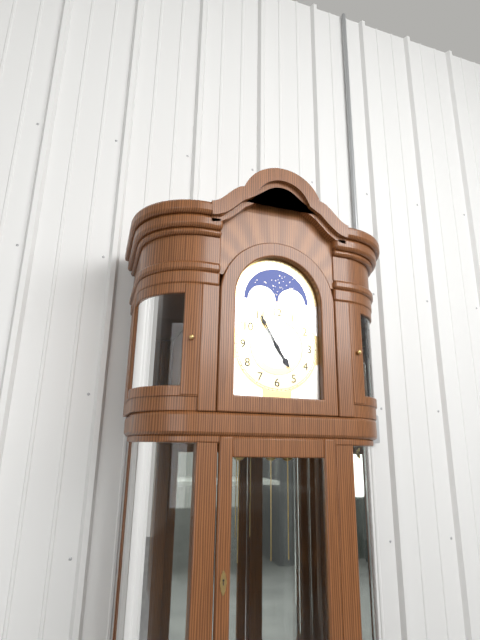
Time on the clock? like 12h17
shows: 4h55
